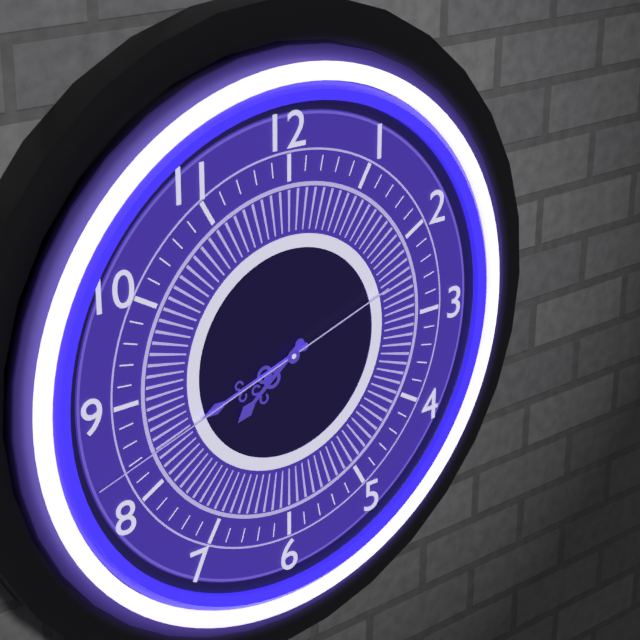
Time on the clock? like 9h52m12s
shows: 7h42m42s
